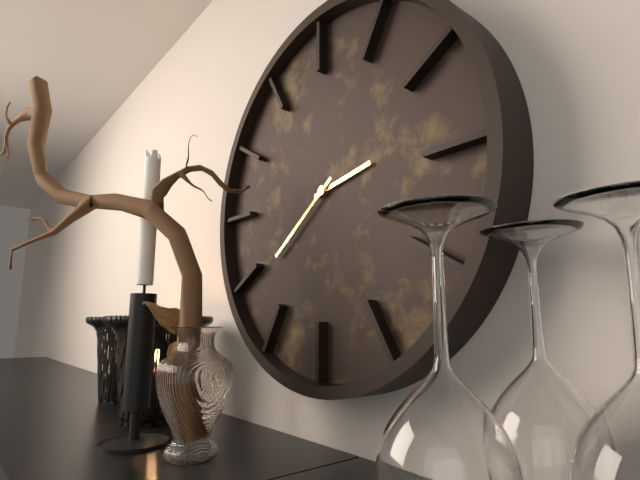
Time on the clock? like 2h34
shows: 2h39
